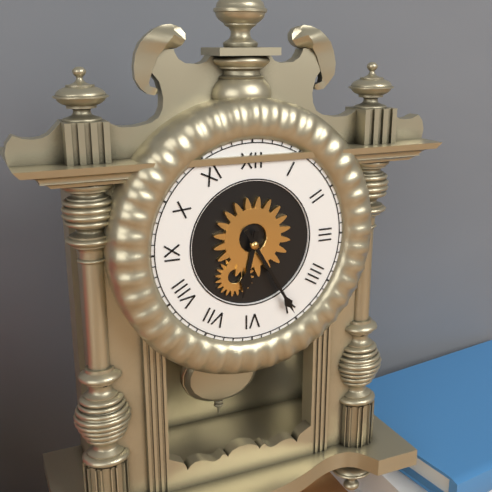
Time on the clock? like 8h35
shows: 6h25
